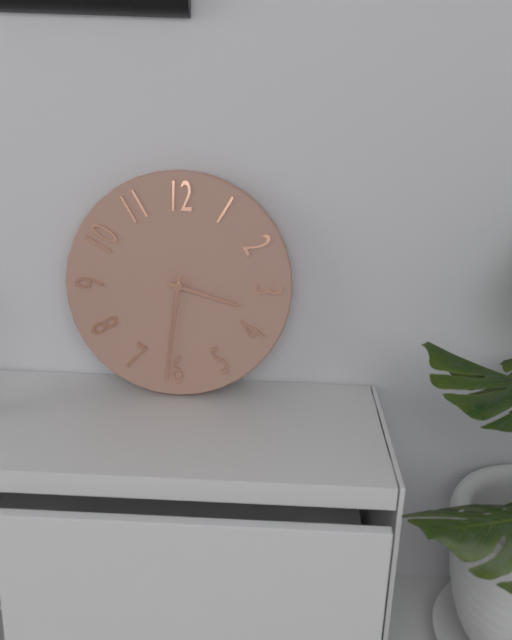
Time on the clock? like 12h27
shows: 3h31
